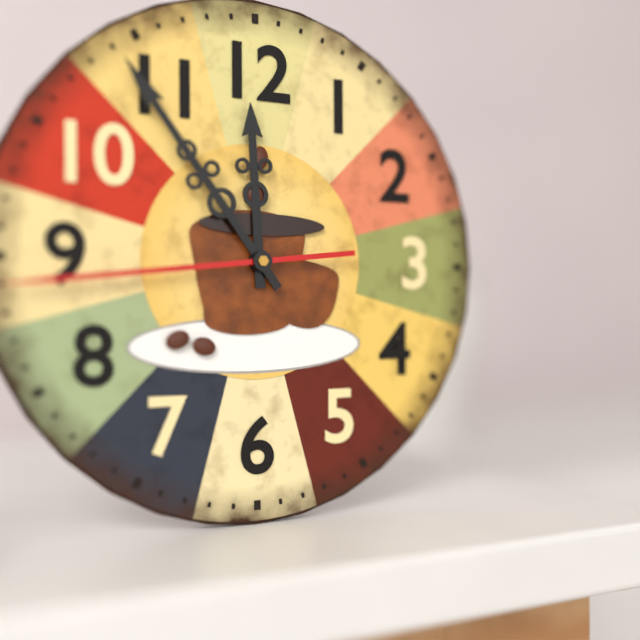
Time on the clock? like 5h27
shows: 11h54
